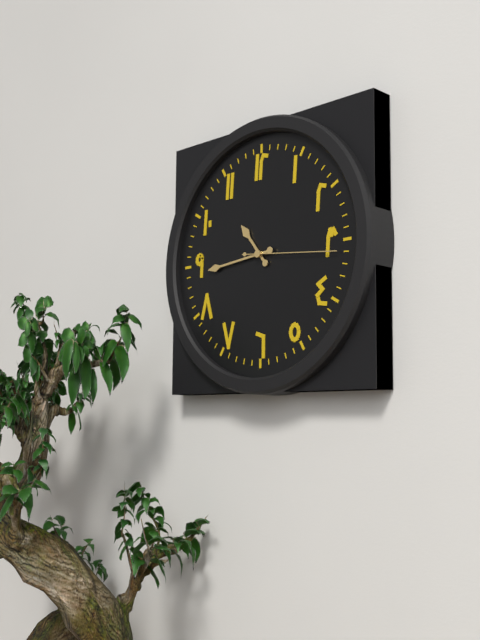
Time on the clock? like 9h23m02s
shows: 10h44m16s
